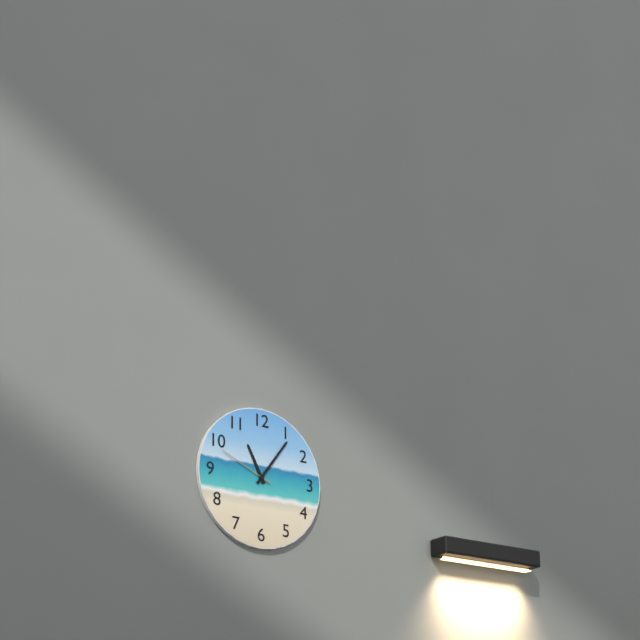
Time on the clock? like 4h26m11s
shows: 11h06m49s
